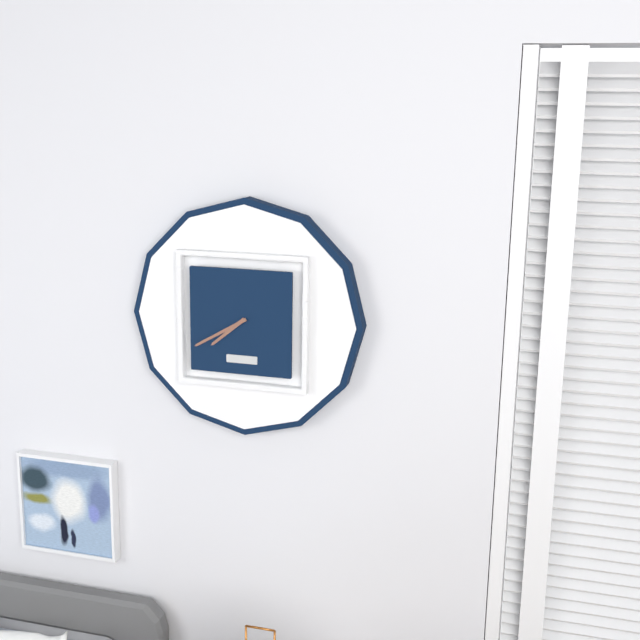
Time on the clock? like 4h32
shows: 7h40
